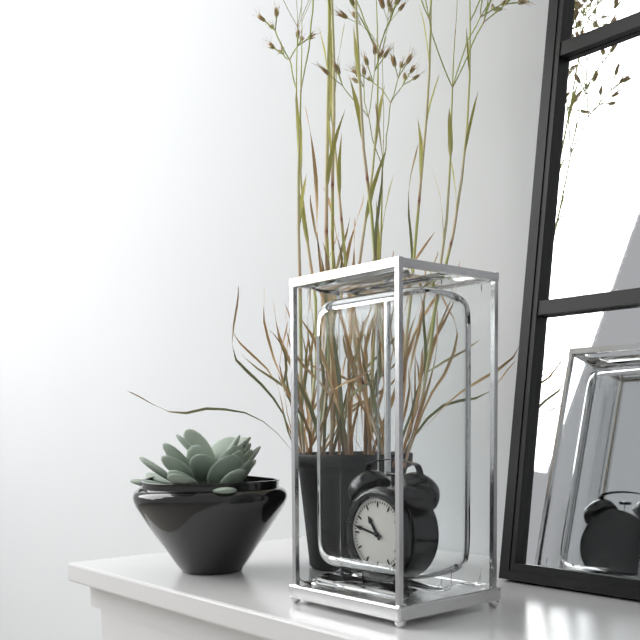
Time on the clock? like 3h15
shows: 10h47
